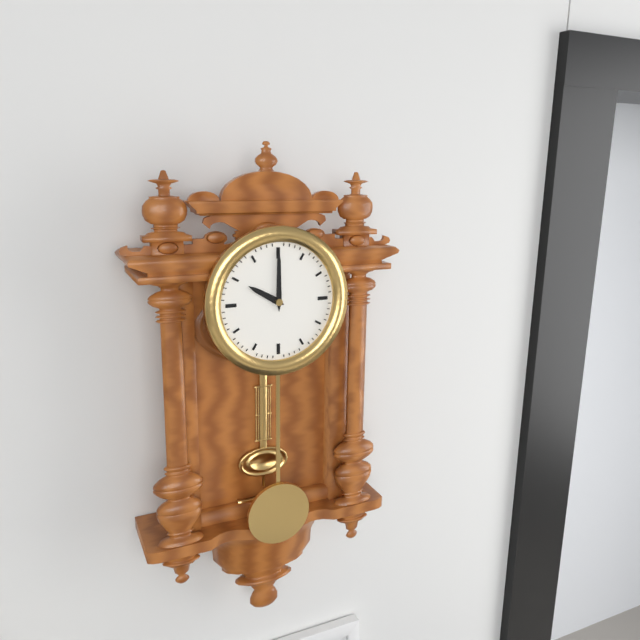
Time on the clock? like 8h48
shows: 10h00
